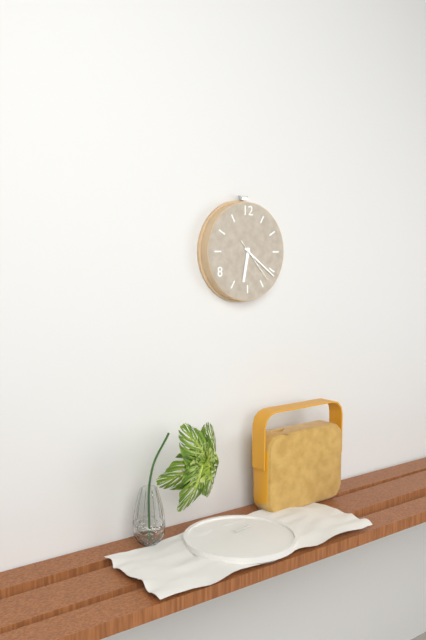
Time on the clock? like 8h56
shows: 6h21
